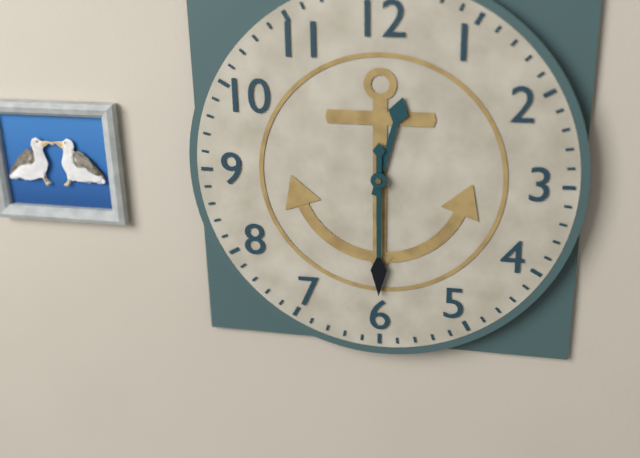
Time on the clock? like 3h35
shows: 12h30
